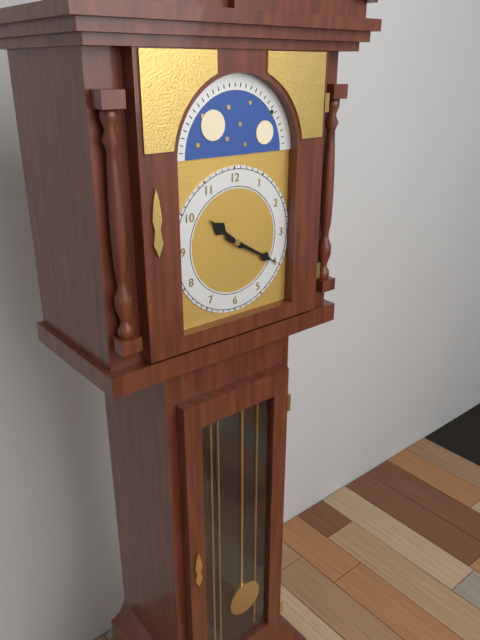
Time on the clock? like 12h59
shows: 10h20
